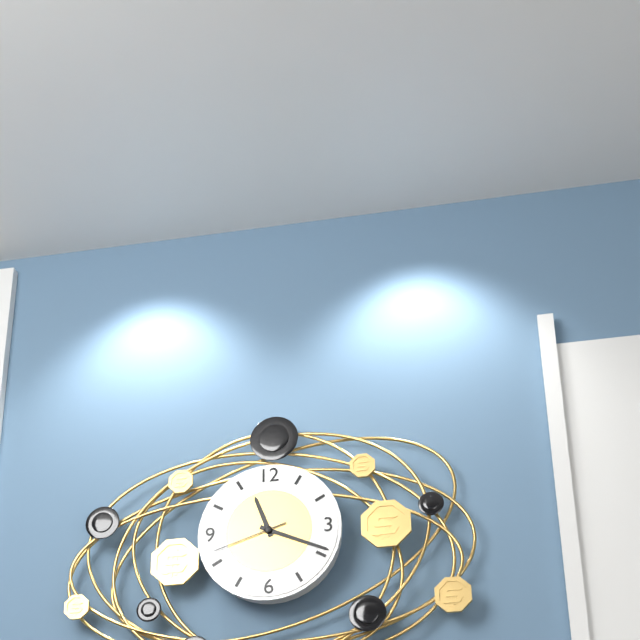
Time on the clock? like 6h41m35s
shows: 11h19m42s
